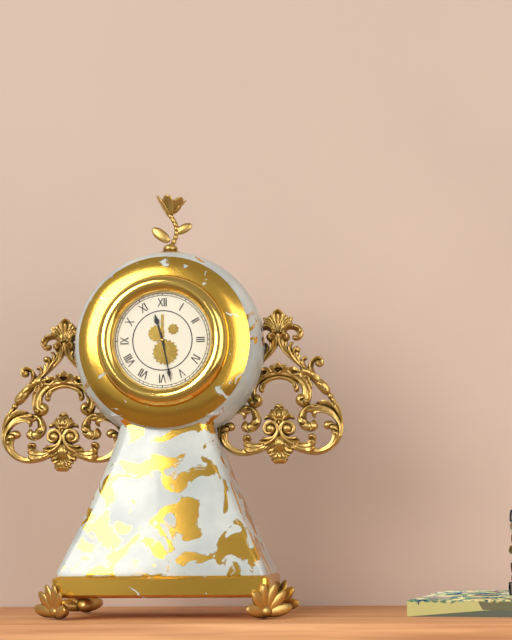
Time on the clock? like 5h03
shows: 11h28
